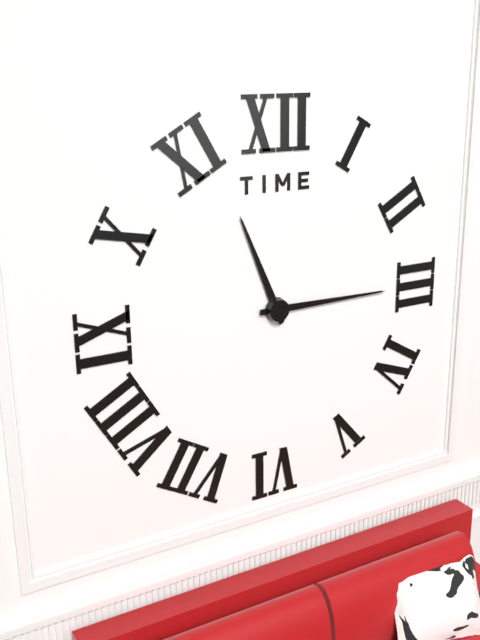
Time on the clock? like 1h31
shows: 11h15
